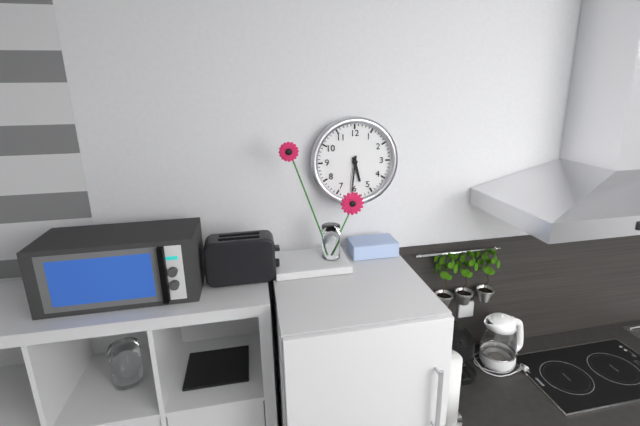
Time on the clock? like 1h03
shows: 5h31
